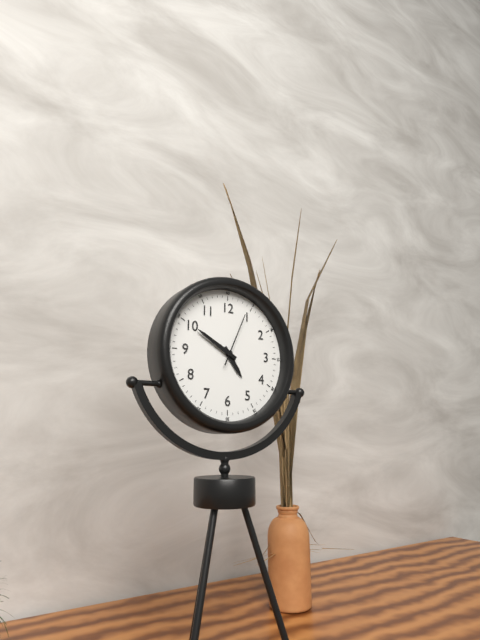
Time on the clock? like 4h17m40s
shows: 4h50m04s
